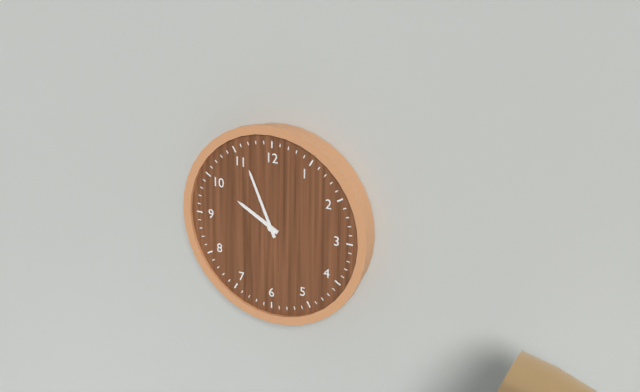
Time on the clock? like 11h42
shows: 9h56
